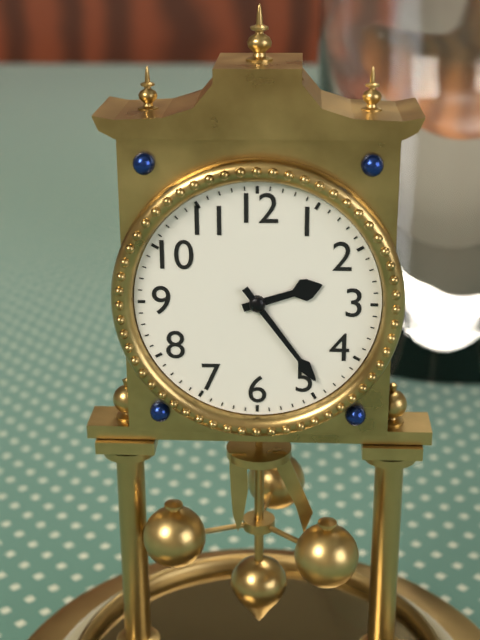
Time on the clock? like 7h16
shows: 2h24
